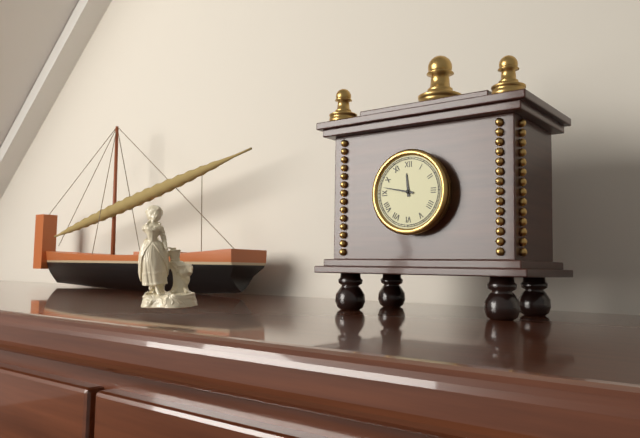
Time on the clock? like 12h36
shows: 11h47
